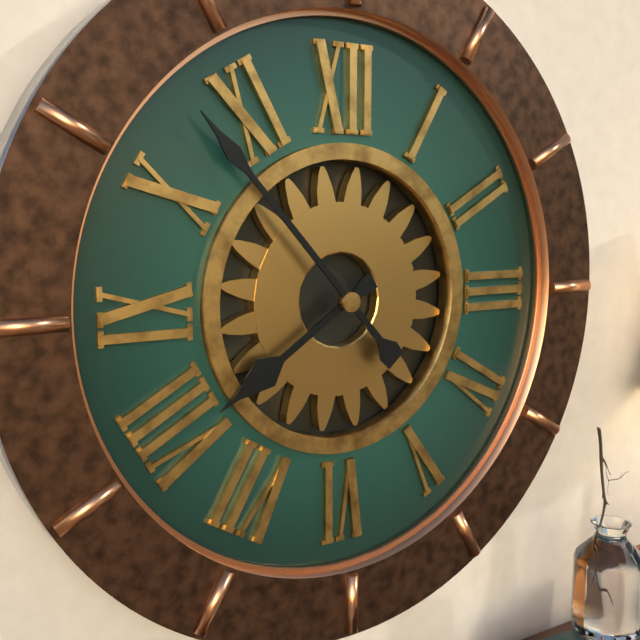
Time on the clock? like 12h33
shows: 7h53
